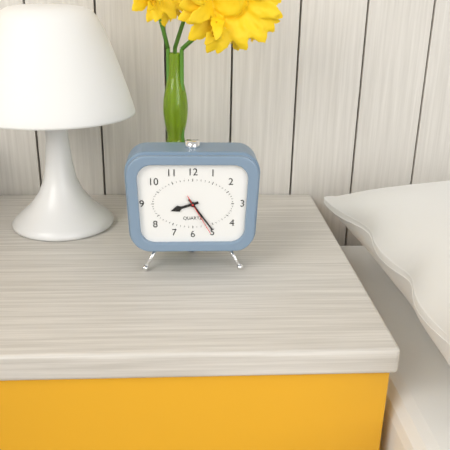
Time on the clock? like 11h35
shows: 8h24
